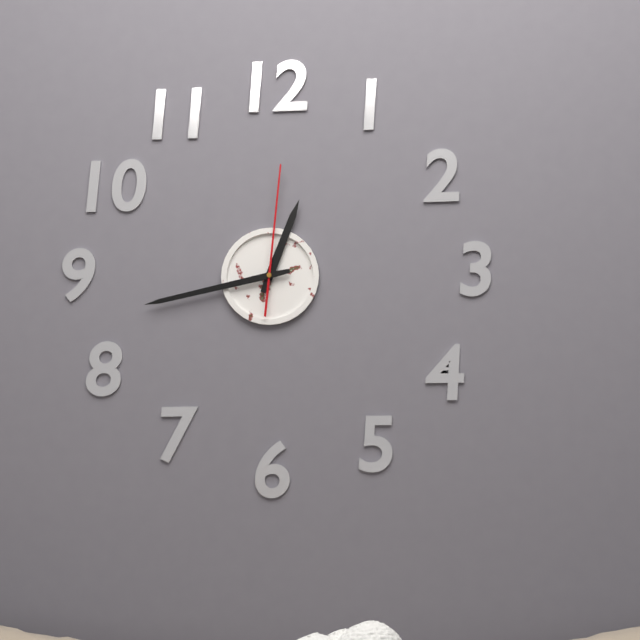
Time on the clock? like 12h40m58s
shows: 12h43m01s
